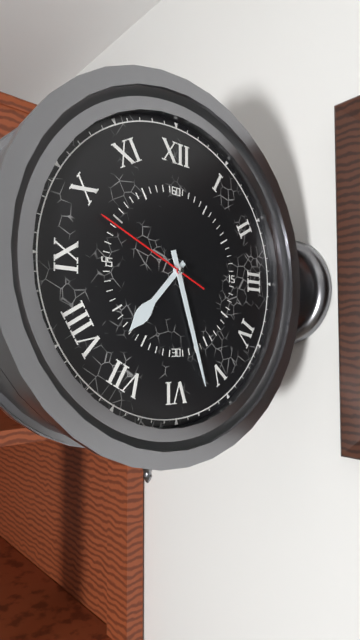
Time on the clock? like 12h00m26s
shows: 7h27m49s
